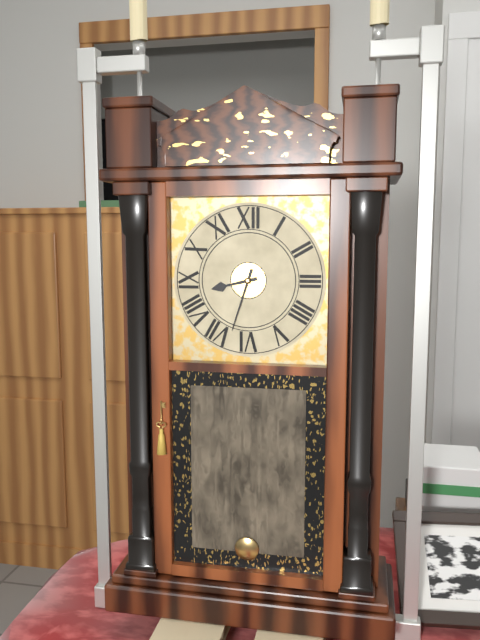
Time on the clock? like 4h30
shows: 8h33
